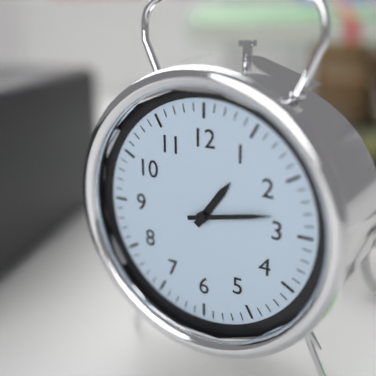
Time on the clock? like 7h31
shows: 1h13
